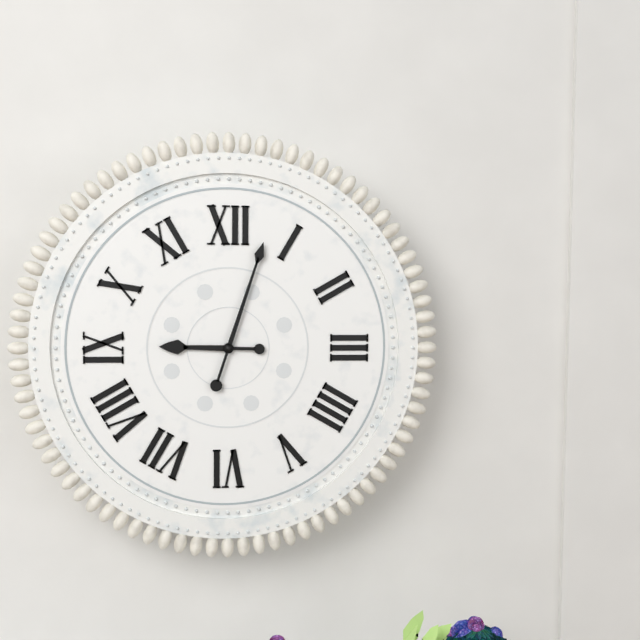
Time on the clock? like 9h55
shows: 9h03
